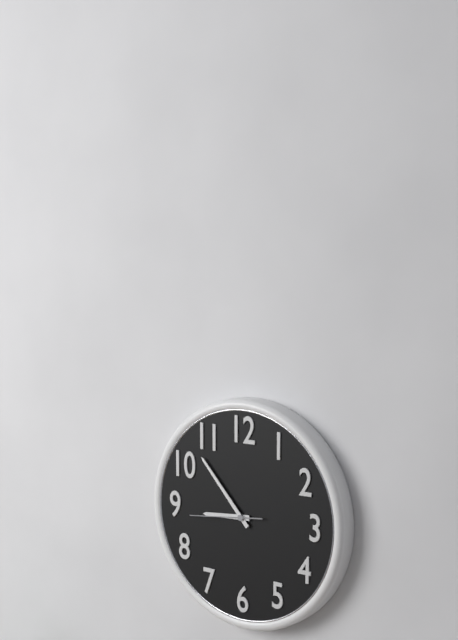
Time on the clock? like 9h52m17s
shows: 8h53m44s
